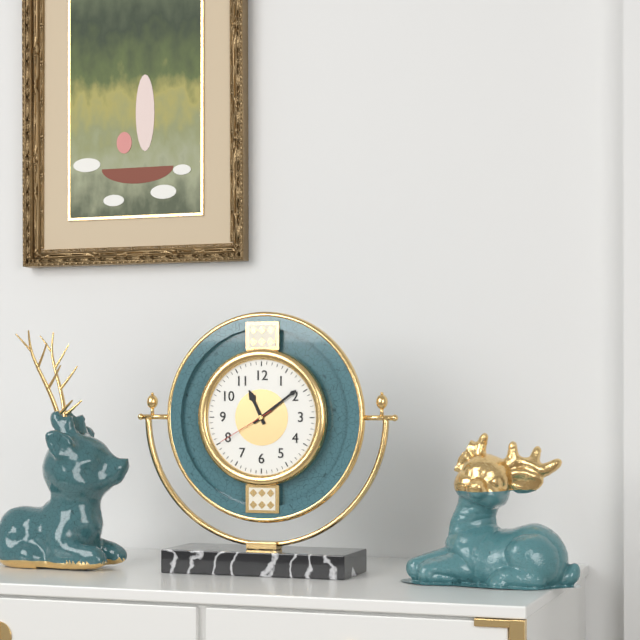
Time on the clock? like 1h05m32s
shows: 11h09m40s
